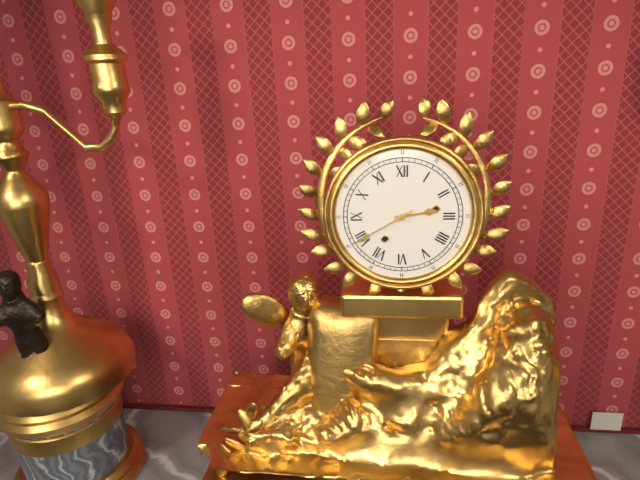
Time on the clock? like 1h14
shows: 2h40
